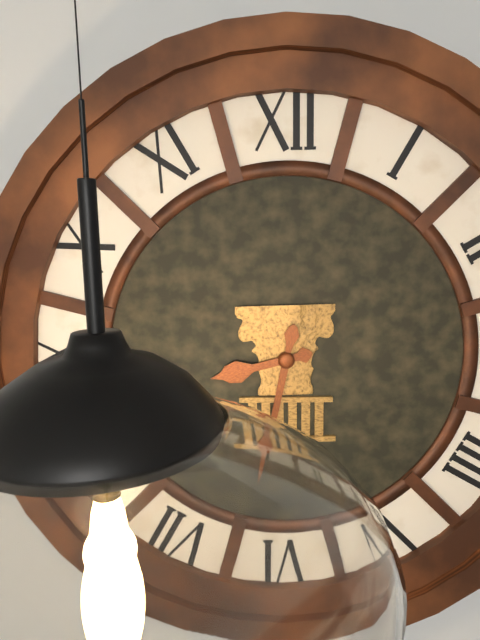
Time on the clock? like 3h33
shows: 8h32
